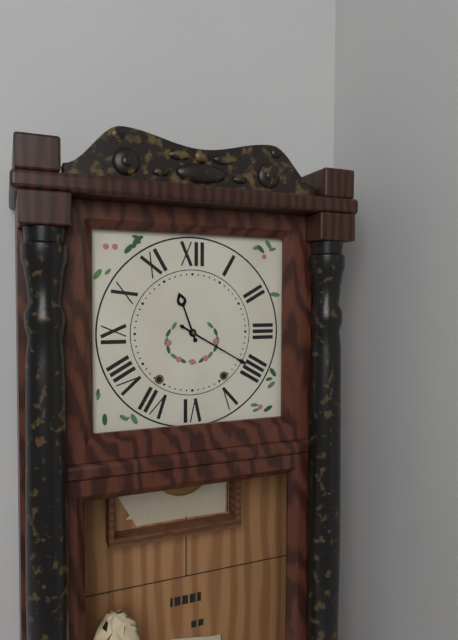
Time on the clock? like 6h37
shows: 11h20
